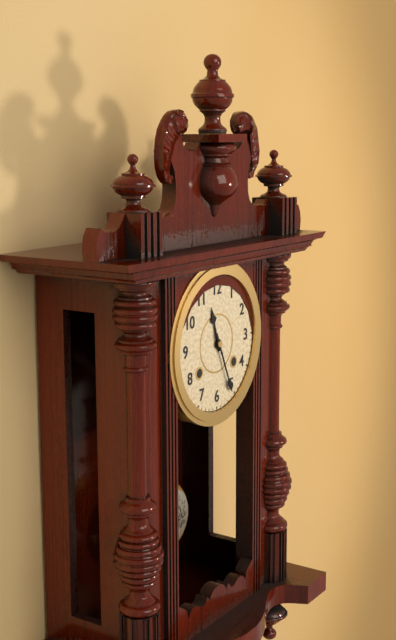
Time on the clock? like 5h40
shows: 11h26
